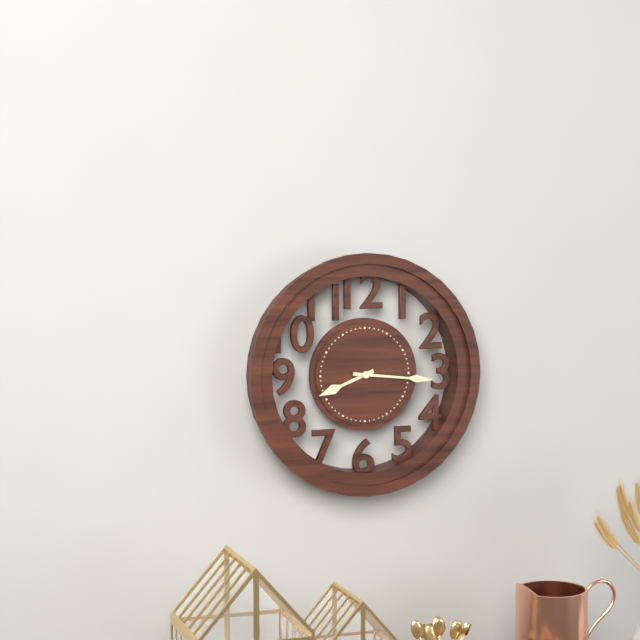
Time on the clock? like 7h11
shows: 8h16
